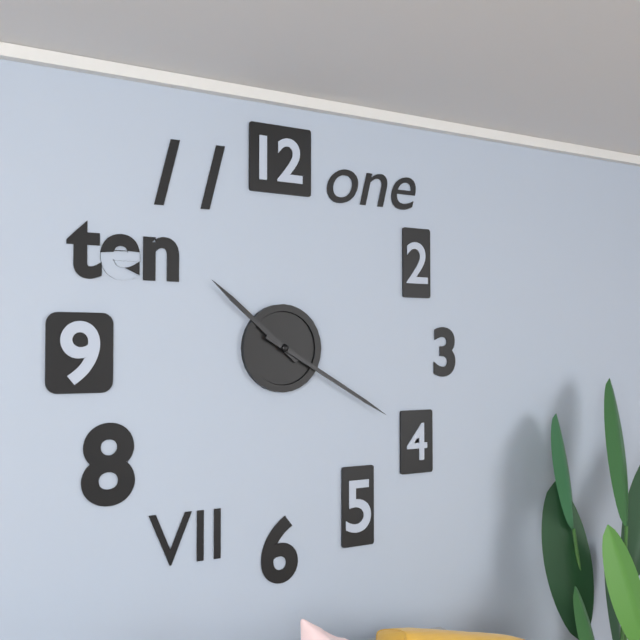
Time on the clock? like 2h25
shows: 10h20
